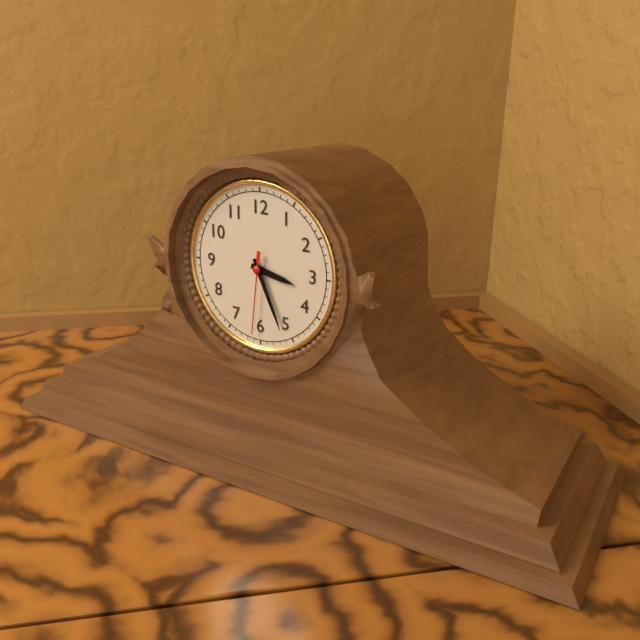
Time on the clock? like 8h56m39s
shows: 3h26m31s
